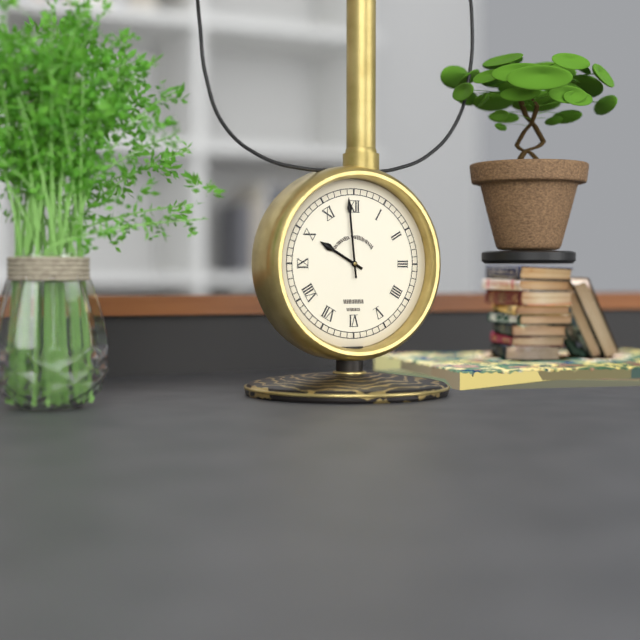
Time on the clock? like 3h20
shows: 9h59
